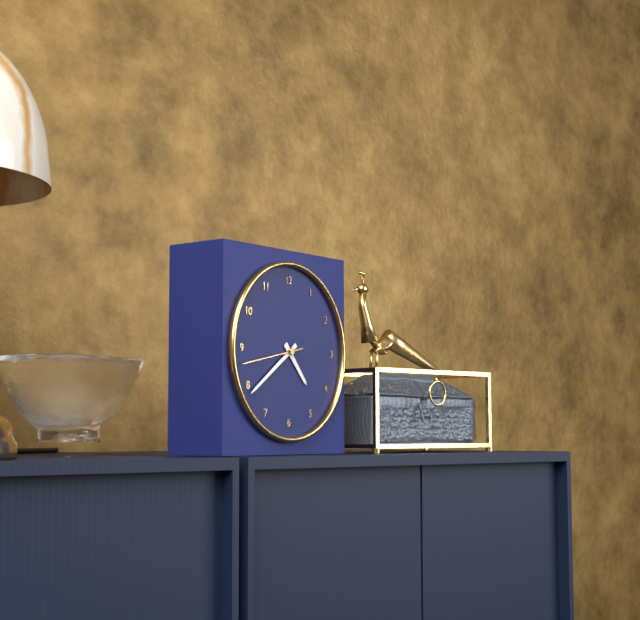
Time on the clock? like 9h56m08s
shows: 4h39m43s
